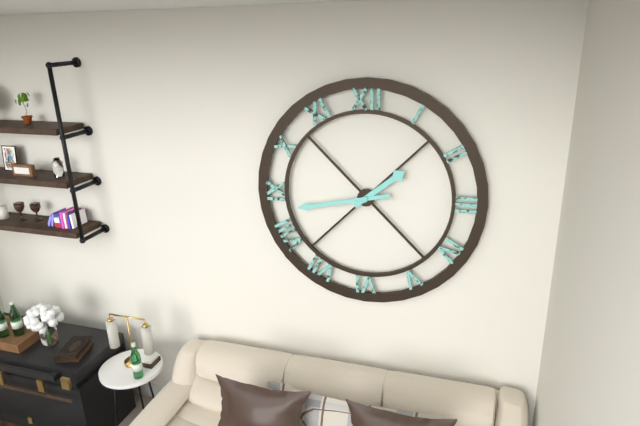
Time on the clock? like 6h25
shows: 1h43
